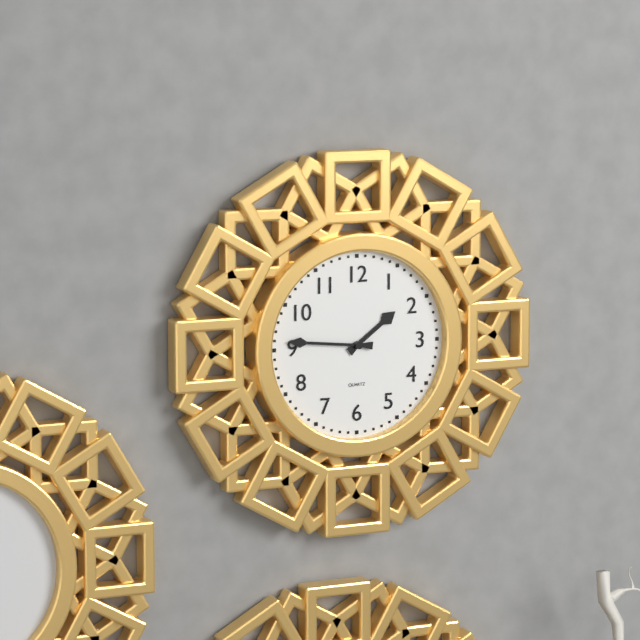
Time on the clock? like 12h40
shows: 1h46
